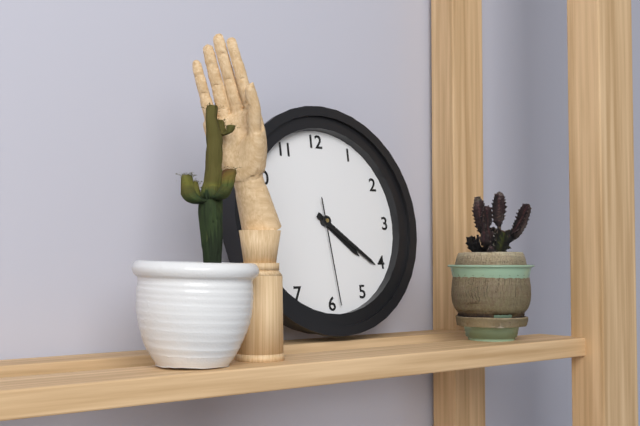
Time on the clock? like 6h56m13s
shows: 4h21m29s
